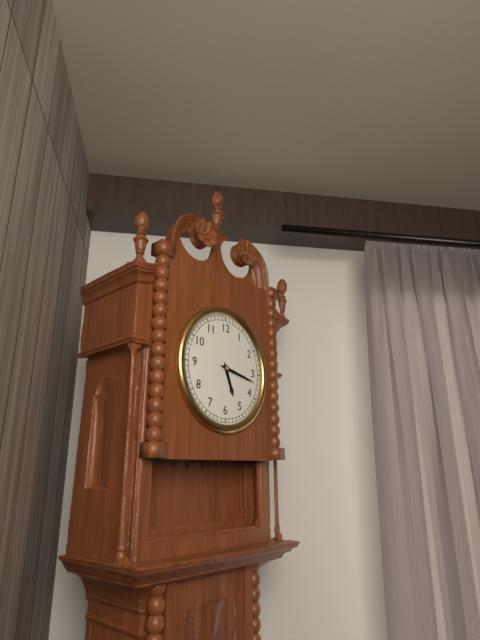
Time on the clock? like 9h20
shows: 5h17
